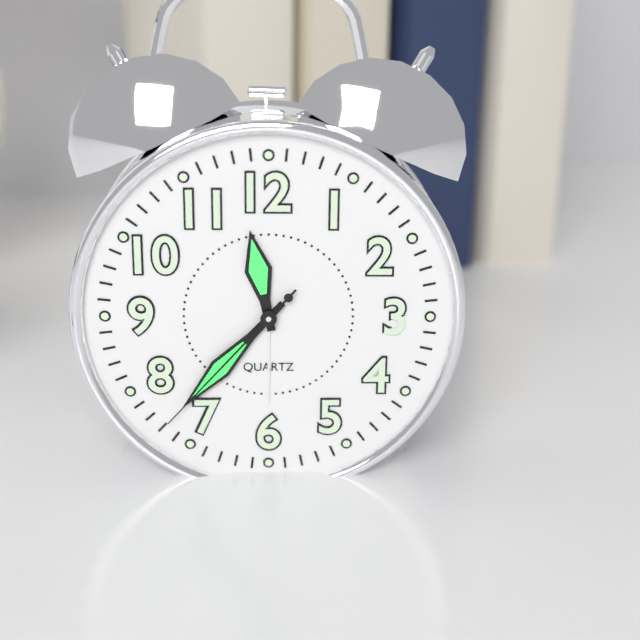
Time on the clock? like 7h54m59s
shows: 11h37m37s
